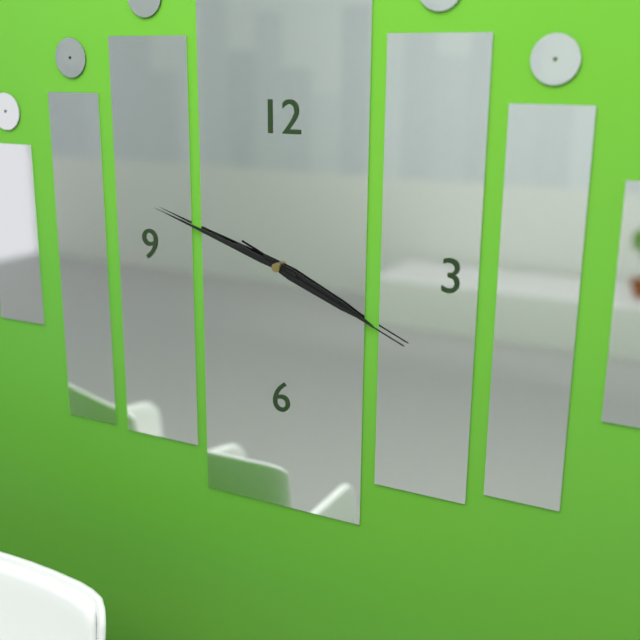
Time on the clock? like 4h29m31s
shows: 3h48m19s
